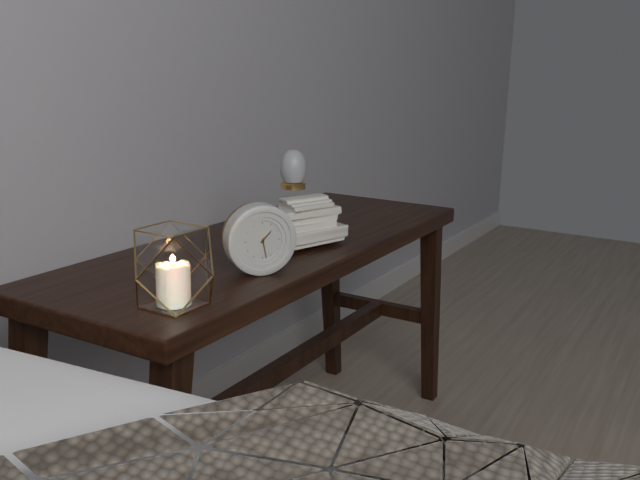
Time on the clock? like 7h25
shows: 1h28
